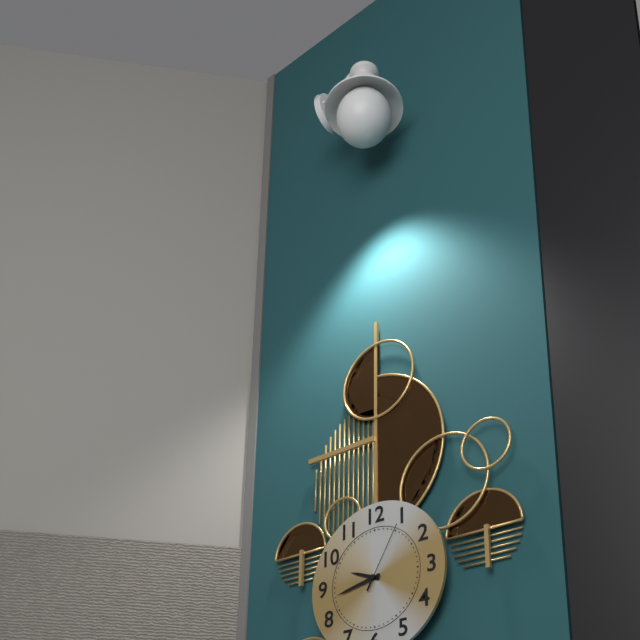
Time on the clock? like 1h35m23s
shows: 9h43m05s
